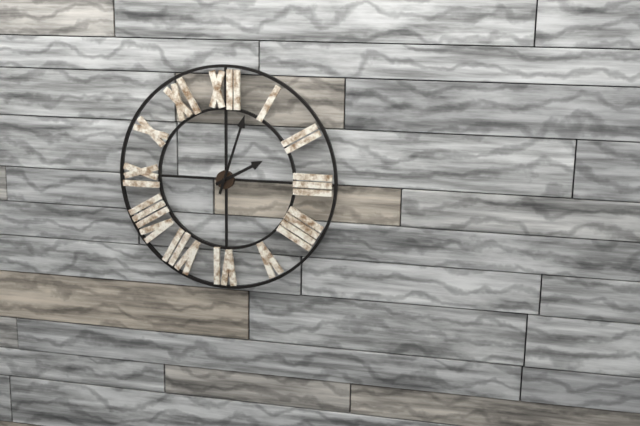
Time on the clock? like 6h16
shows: 2h03
